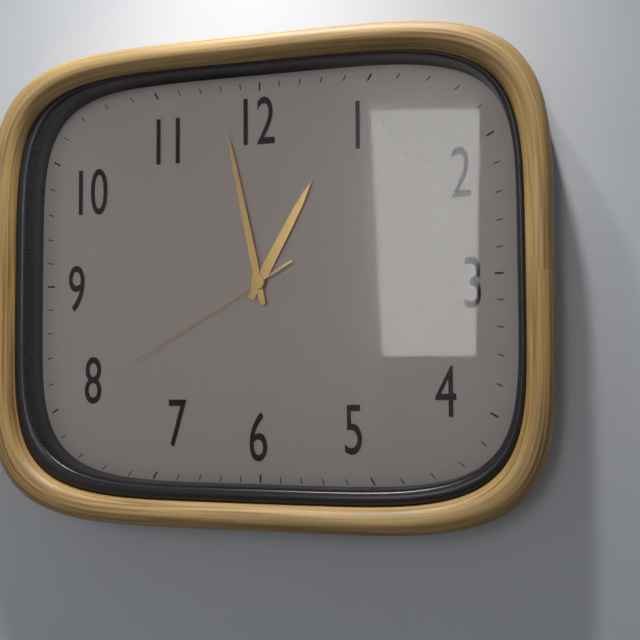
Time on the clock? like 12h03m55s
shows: 12h58m40s
